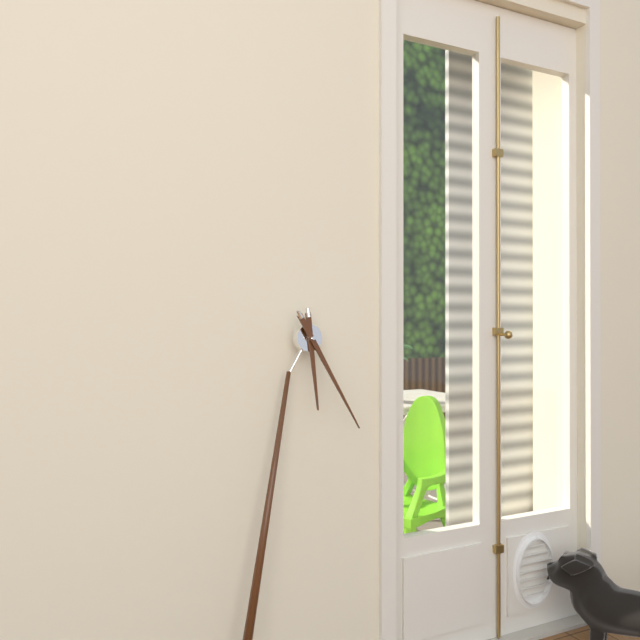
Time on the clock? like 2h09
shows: 5h23
